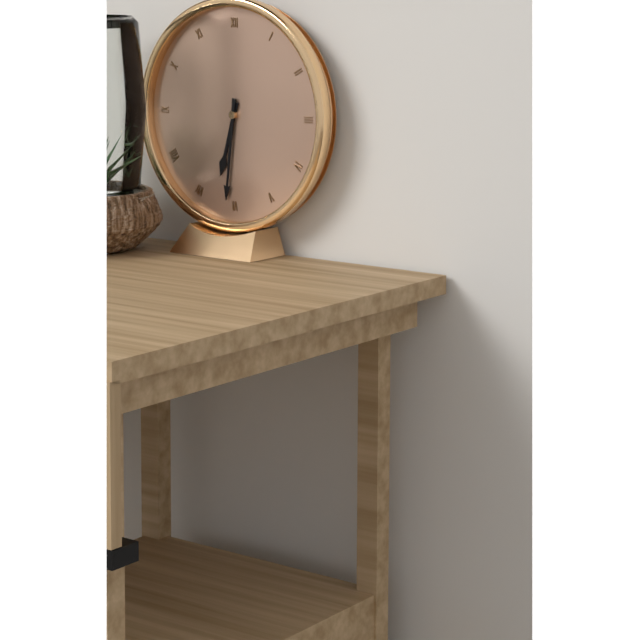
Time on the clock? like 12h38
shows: 6h31
